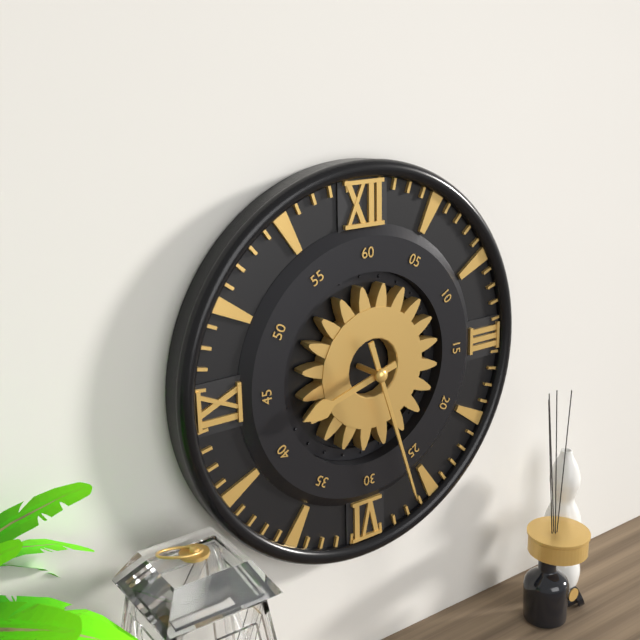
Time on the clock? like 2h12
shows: 8h27
